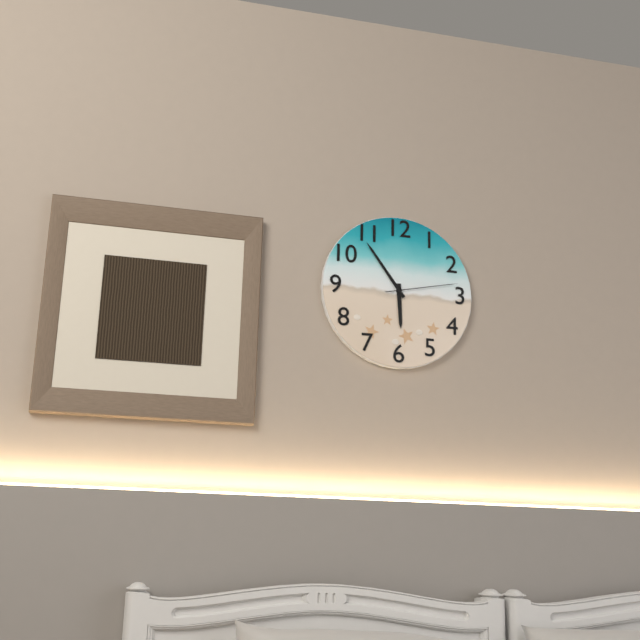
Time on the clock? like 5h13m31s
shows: 5h54m13s
